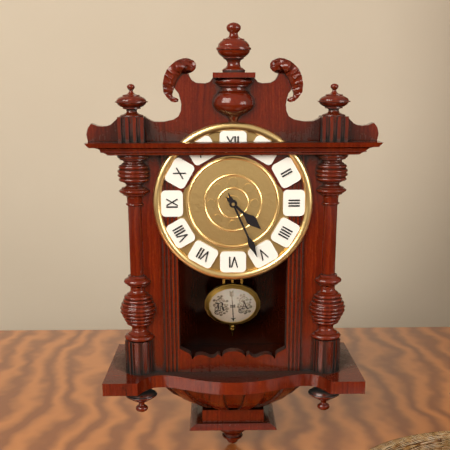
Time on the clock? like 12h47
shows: 4h26
